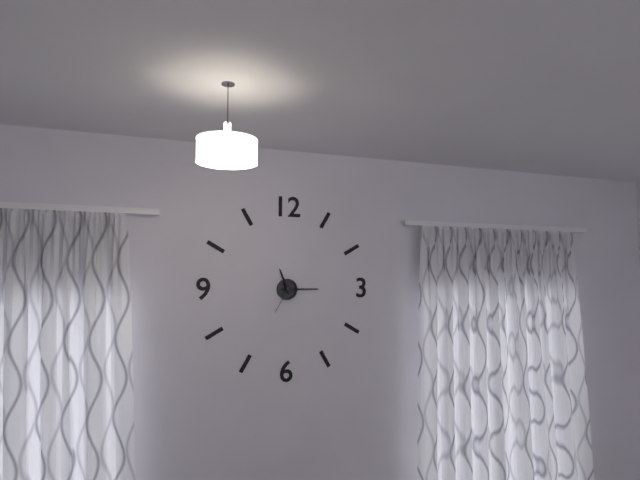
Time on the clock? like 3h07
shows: 11h15
